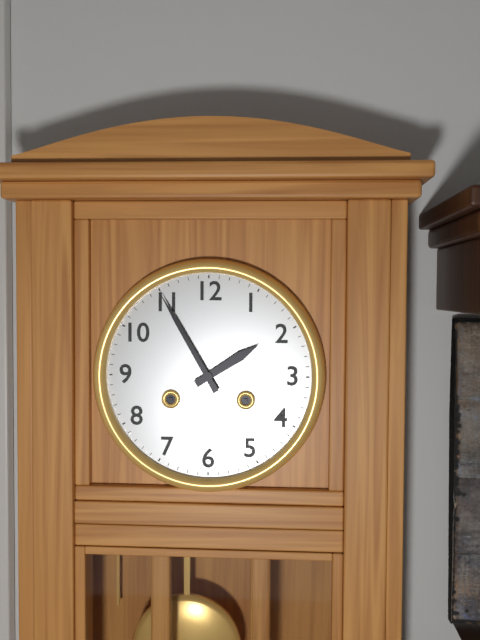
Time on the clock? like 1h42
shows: 1h55
